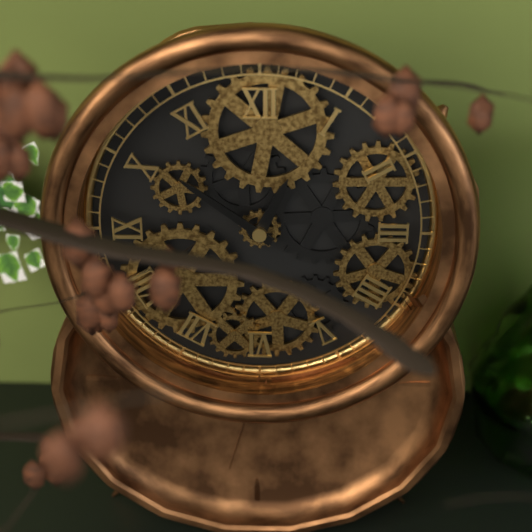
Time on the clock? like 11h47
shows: 12h51
